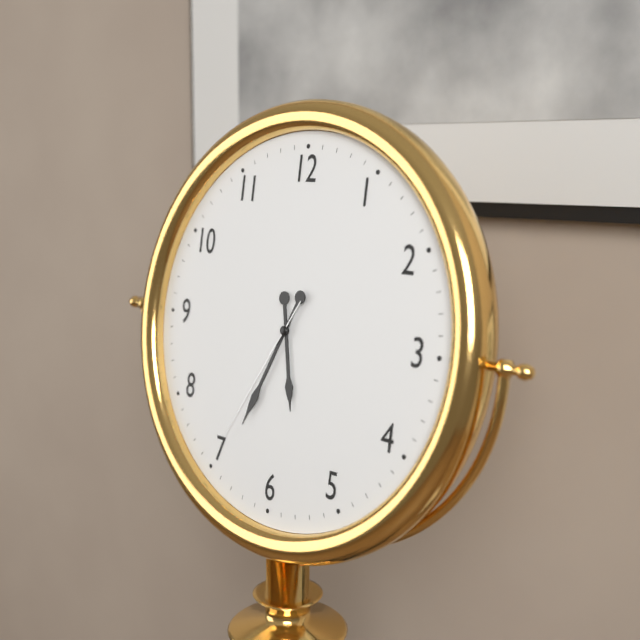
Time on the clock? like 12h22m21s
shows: 5h34m35s
